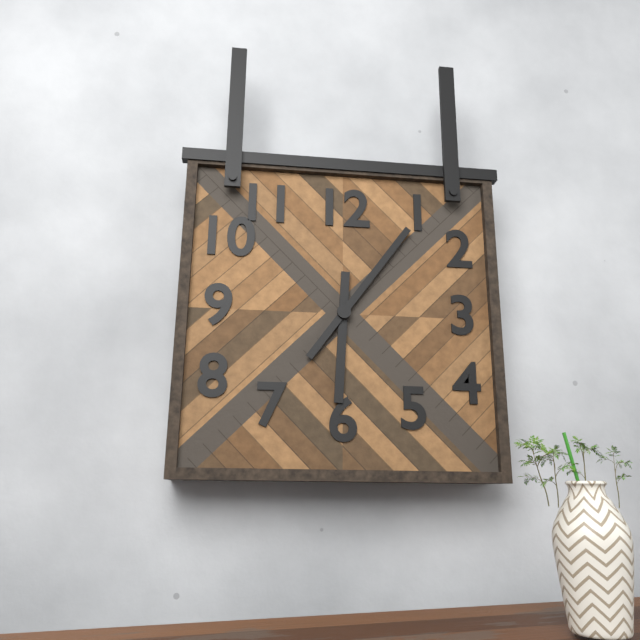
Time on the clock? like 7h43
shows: 6h06
